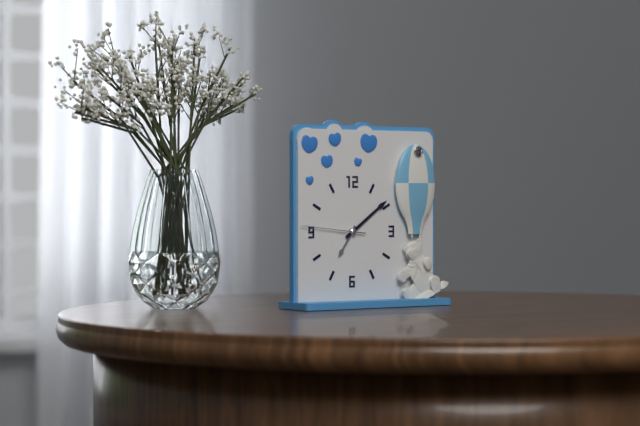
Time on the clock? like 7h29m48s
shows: 7h09m46s
